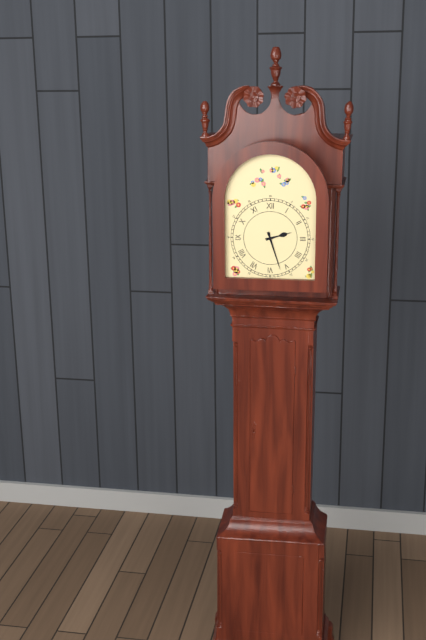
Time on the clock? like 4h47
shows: 2h27
